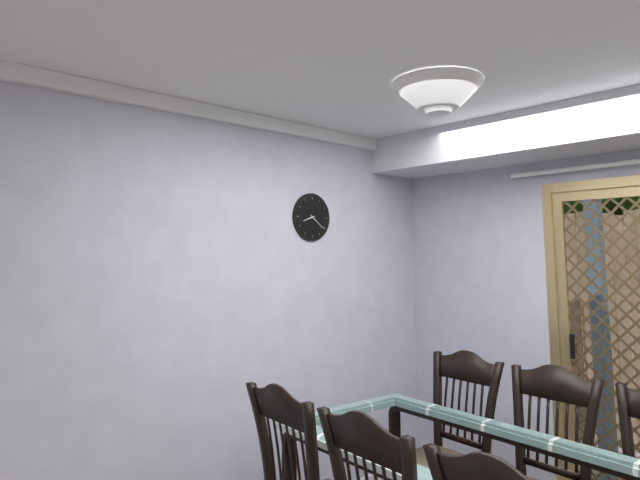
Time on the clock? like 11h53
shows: 8h21
